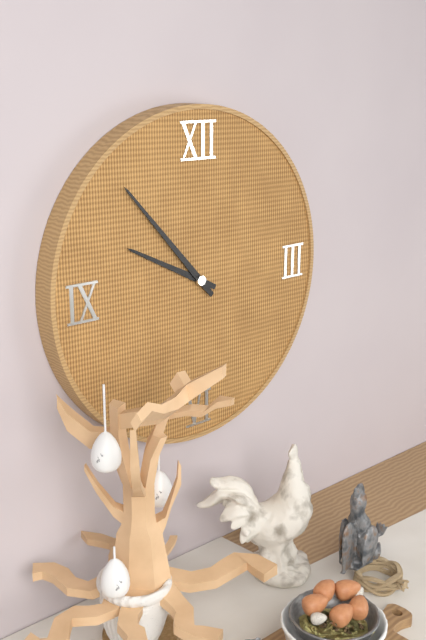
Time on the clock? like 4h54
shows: 9h53
